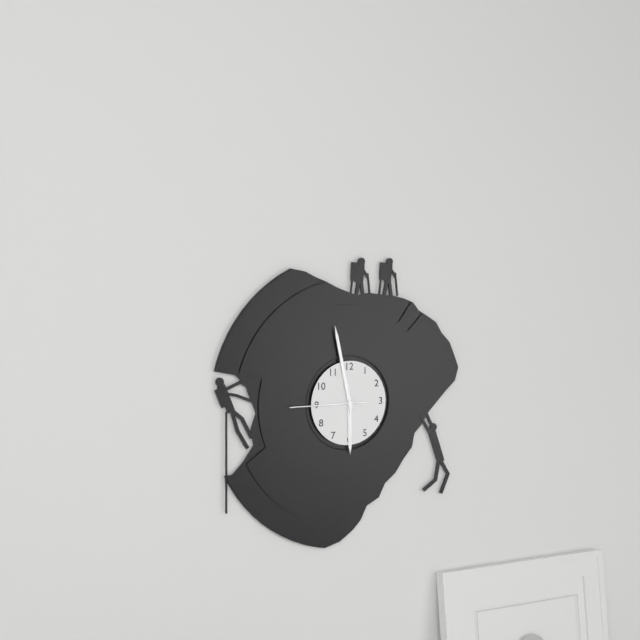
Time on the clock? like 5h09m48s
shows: 5h58m45s
